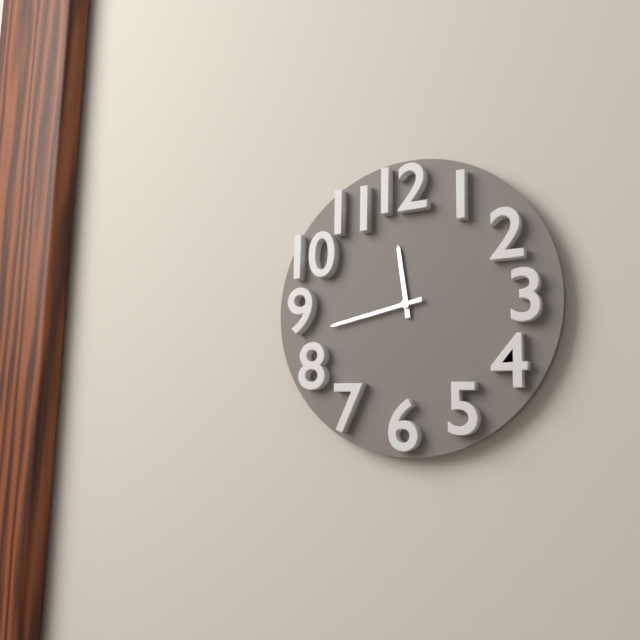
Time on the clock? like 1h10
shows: 11h43
